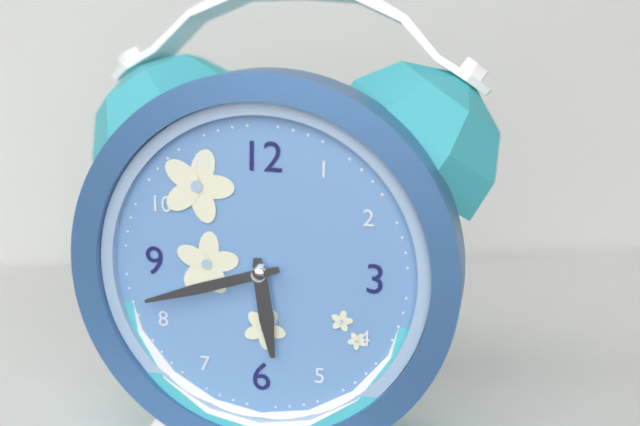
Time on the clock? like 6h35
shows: 5h42
